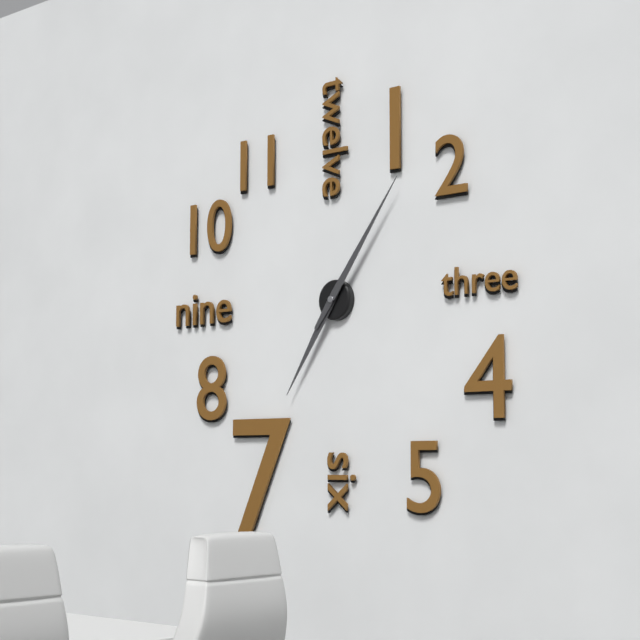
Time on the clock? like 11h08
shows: 7h06
